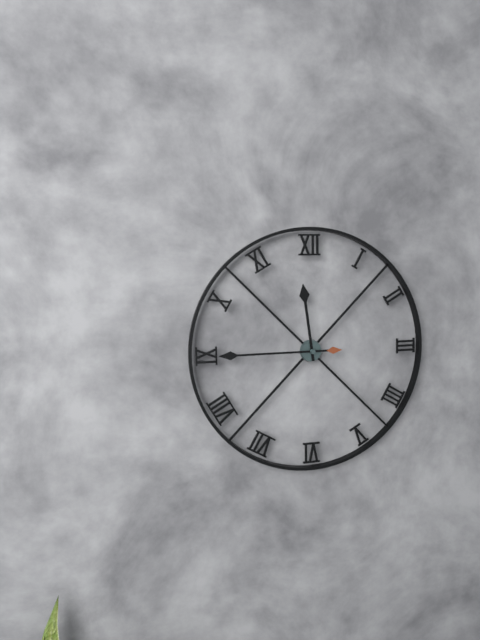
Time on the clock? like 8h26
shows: 11h45
